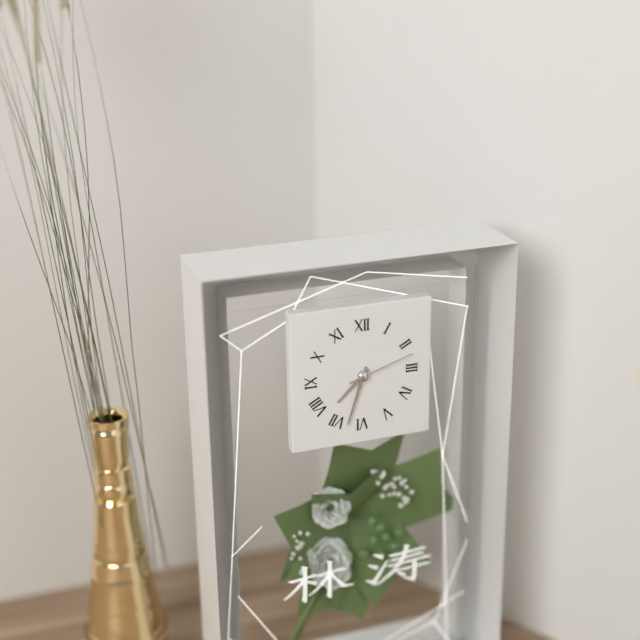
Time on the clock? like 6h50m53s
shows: 7h33m12s
